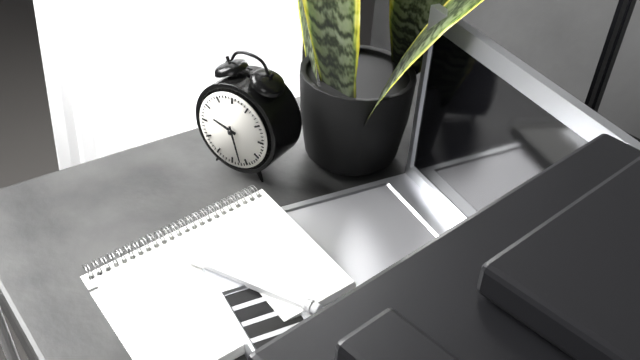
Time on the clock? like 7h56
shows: 9h27
